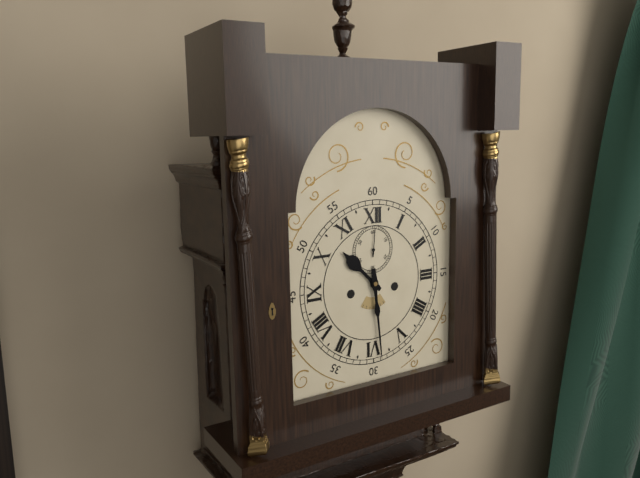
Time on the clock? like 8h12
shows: 10h29
